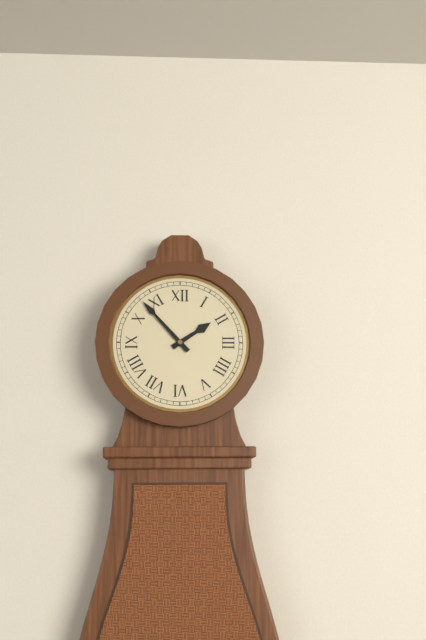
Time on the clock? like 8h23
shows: 1h53
